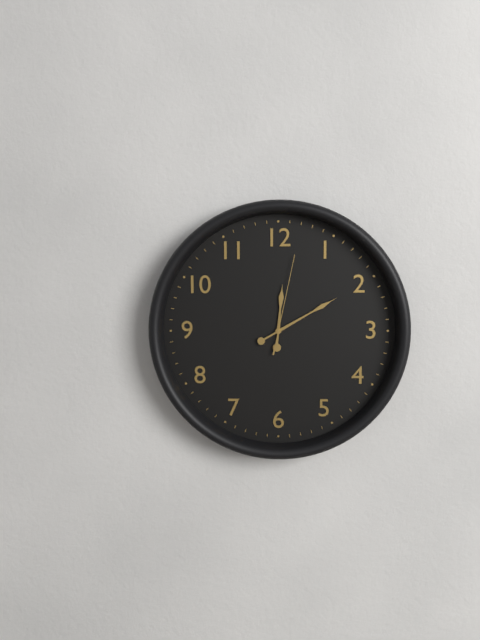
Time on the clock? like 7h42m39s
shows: 12h10m02s
